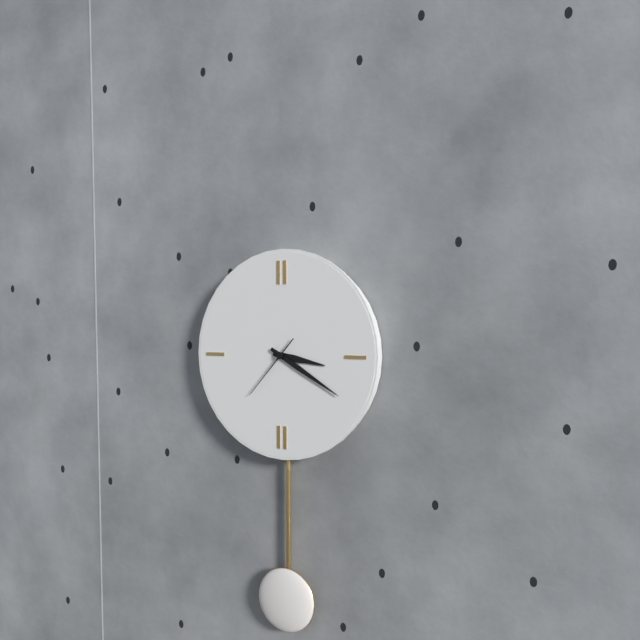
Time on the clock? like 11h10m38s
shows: 3h20m37s
